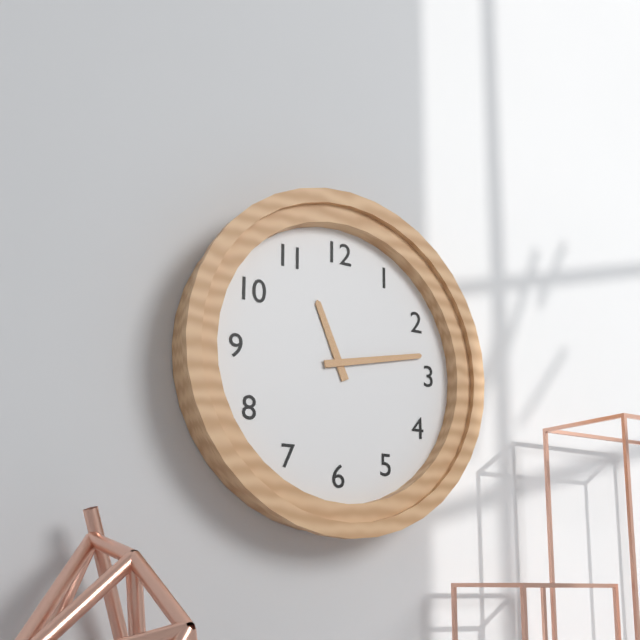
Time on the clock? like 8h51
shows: 11h13
